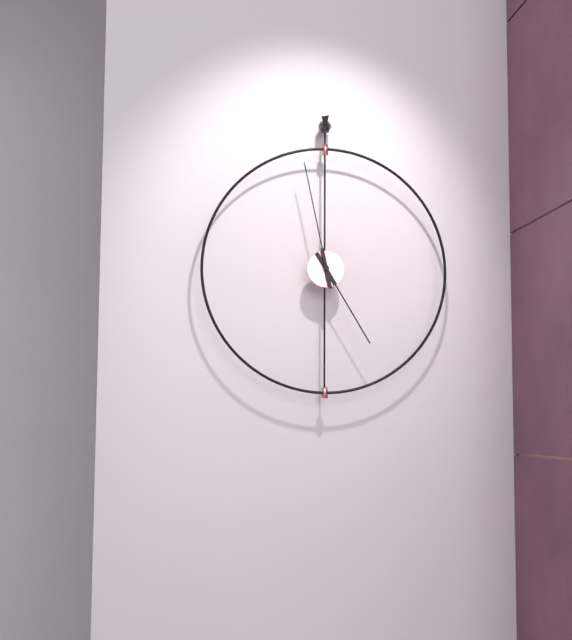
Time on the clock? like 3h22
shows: 4h58
